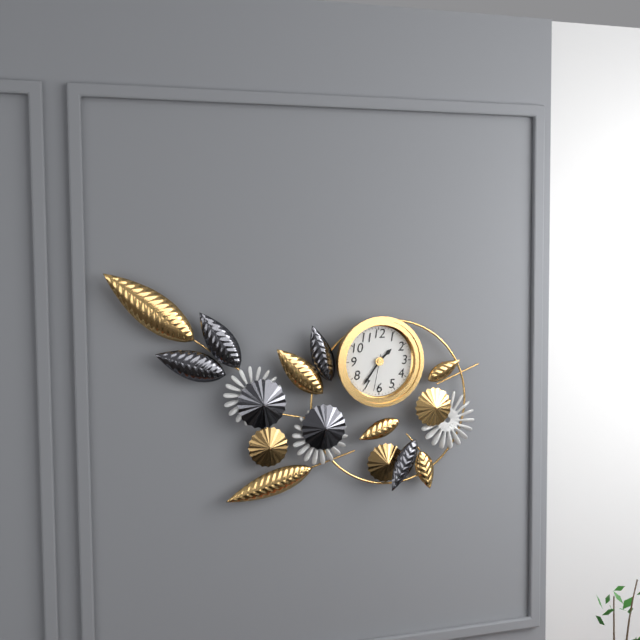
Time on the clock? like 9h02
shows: 1h36
